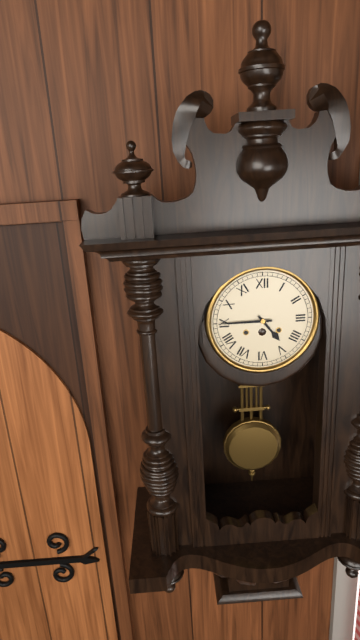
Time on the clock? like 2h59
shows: 4h45
